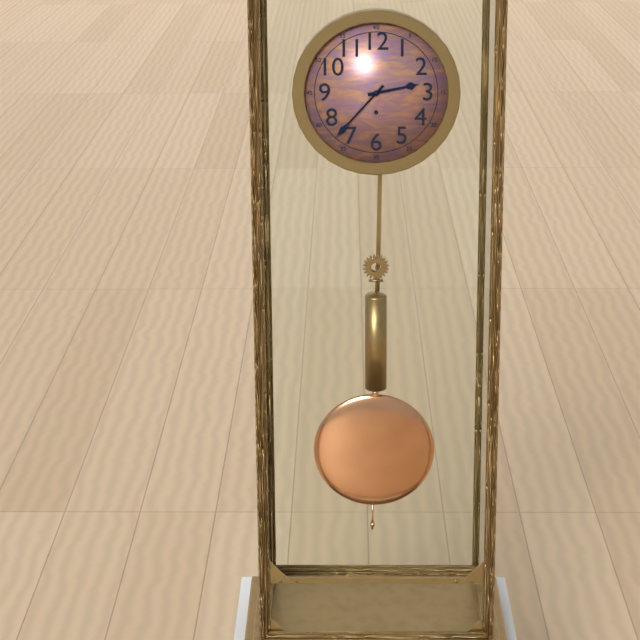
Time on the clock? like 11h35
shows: 2h37
